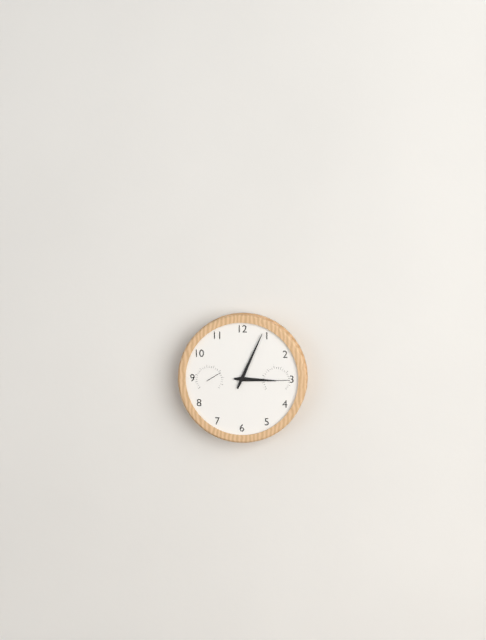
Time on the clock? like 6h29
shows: 3h04
